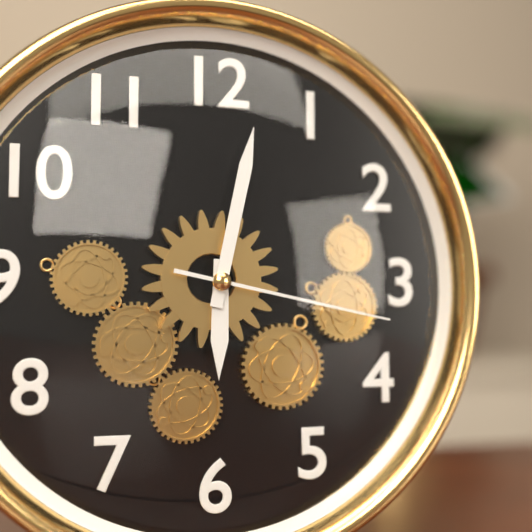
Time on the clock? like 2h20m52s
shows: 6h02m17s
